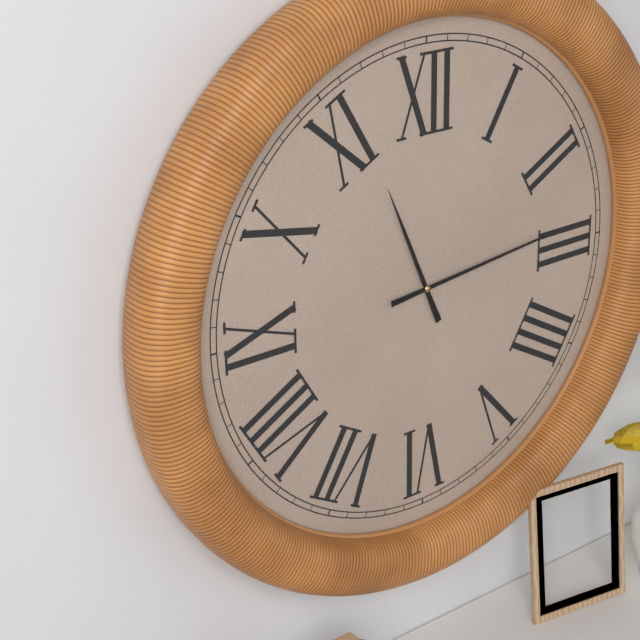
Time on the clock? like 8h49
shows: 11h14
